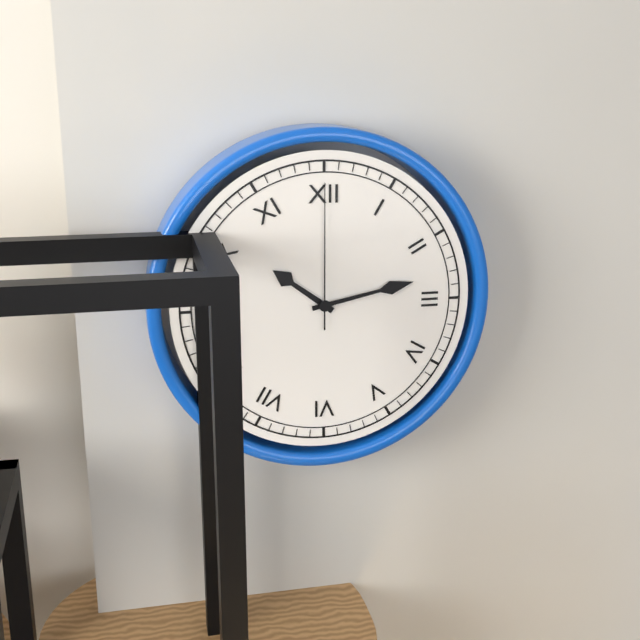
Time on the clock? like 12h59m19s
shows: 10h13m00s
